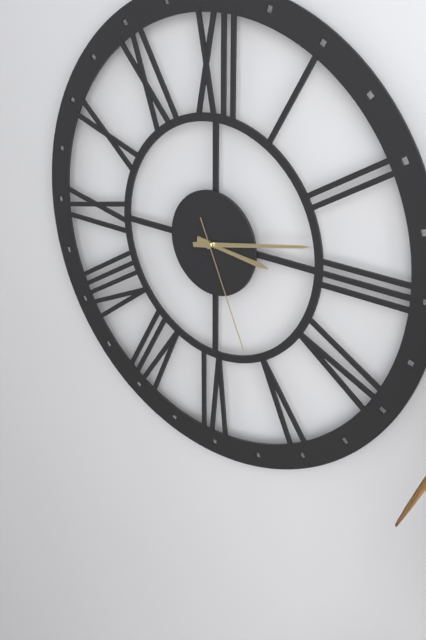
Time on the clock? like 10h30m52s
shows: 3h13m26s
